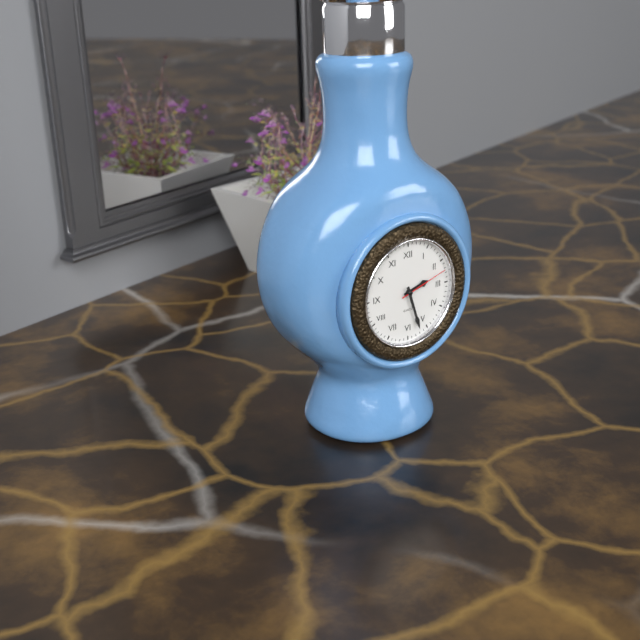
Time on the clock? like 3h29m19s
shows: 2h27m12s
